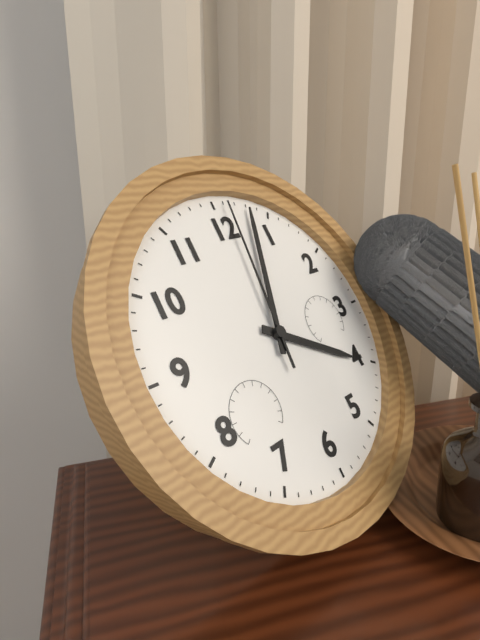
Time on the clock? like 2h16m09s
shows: 4h03m01s
